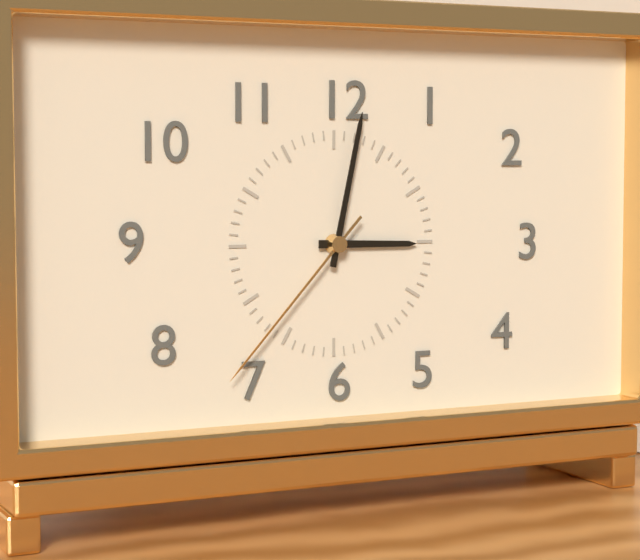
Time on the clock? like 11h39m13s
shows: 3h02m37s
